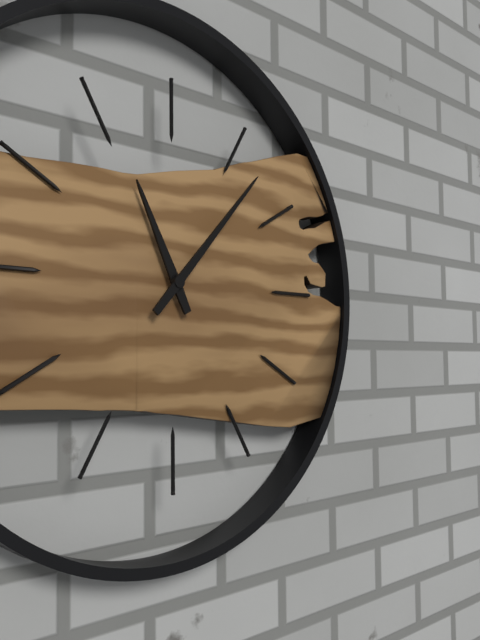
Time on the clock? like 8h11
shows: 11h07
